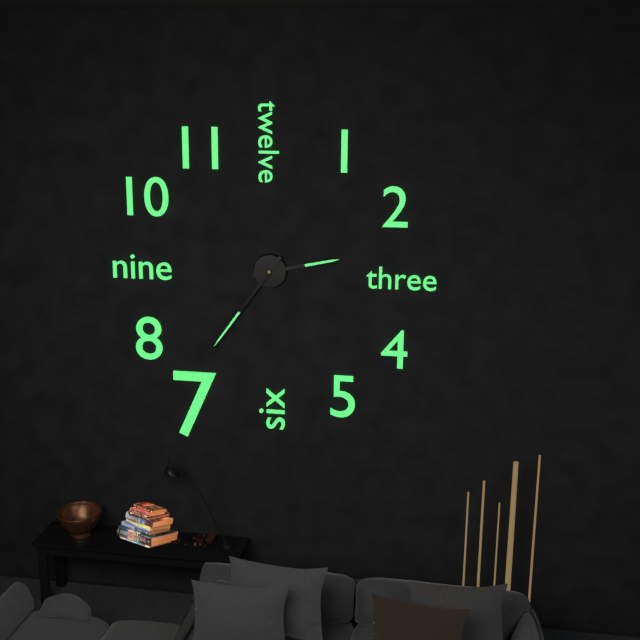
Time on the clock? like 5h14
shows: 2h36
